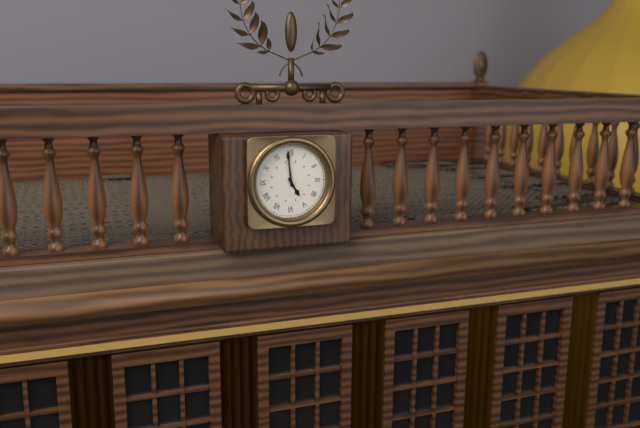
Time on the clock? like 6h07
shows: 4h59
